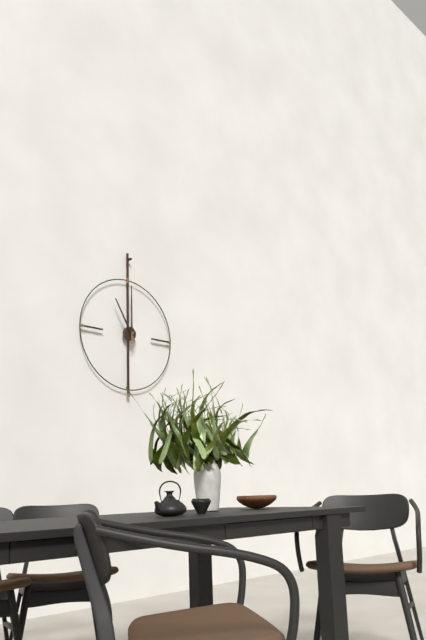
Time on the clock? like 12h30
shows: 11h00
